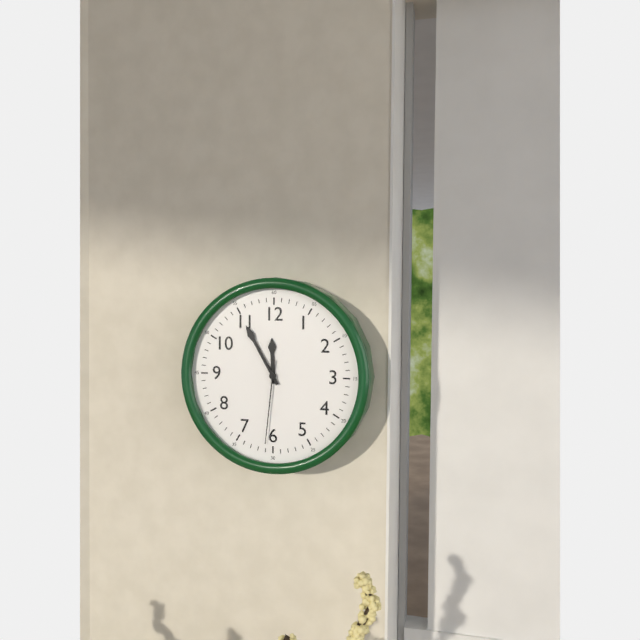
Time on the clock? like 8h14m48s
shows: 11h55m31s
